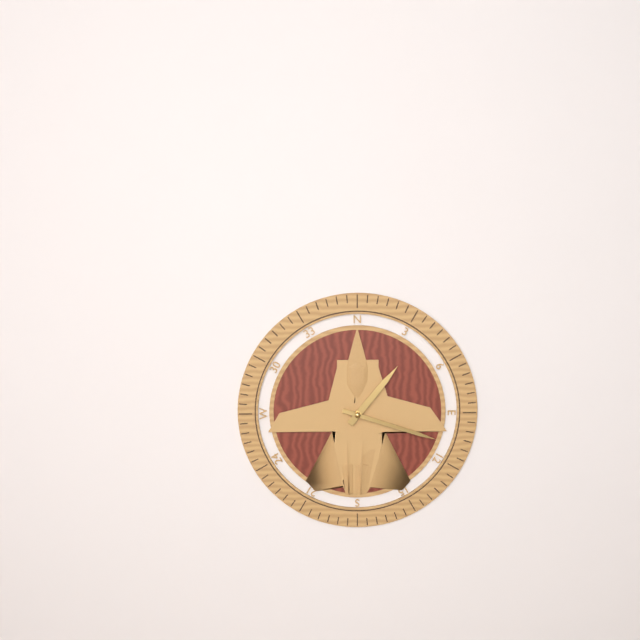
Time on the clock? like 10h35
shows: 1h18
